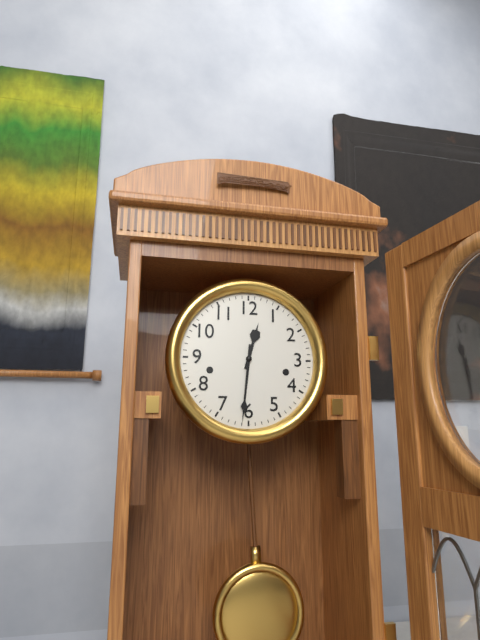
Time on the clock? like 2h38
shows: 12h31
